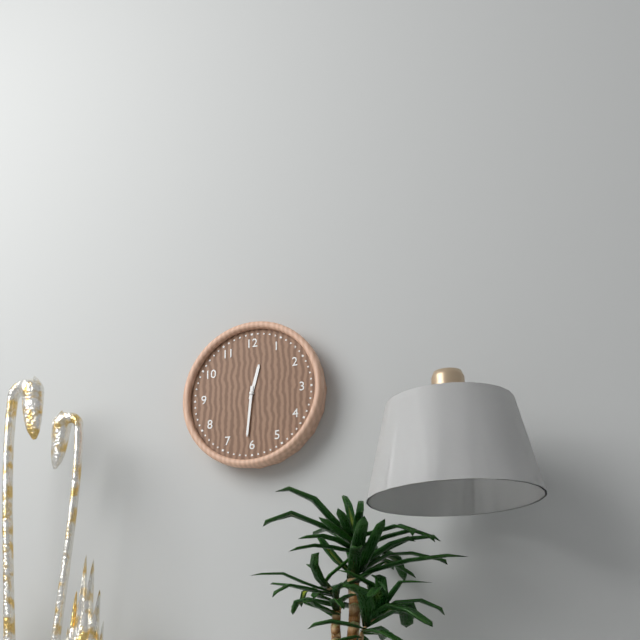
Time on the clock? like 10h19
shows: 12h31
